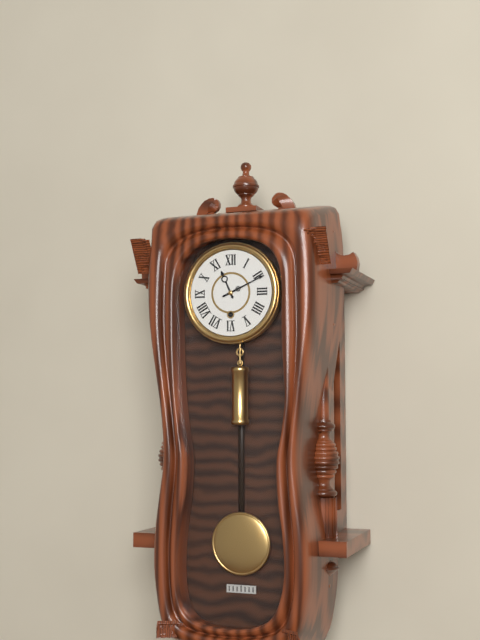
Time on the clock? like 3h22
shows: 11h11
